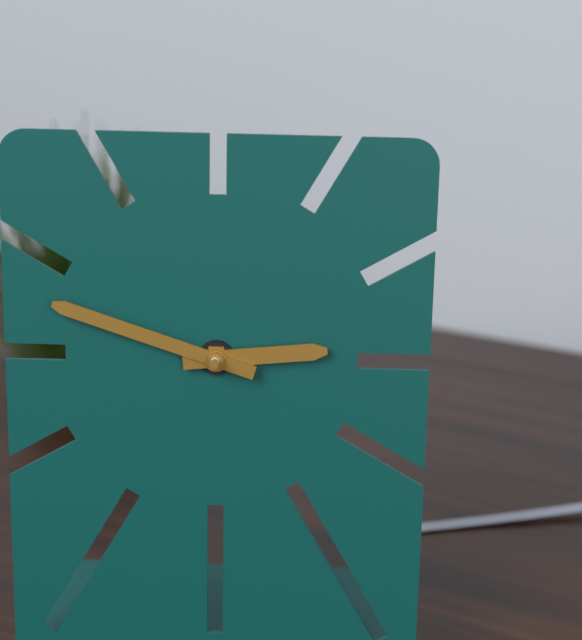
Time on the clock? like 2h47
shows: 2h48
